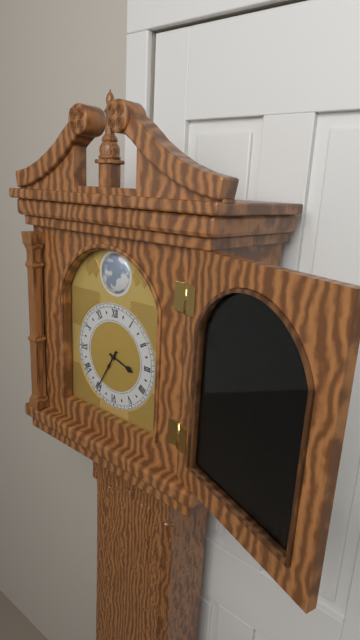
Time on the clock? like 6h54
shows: 3h35
